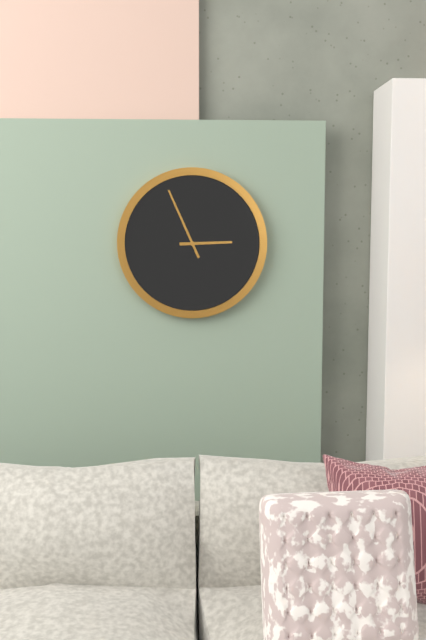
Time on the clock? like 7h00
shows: 2h56
